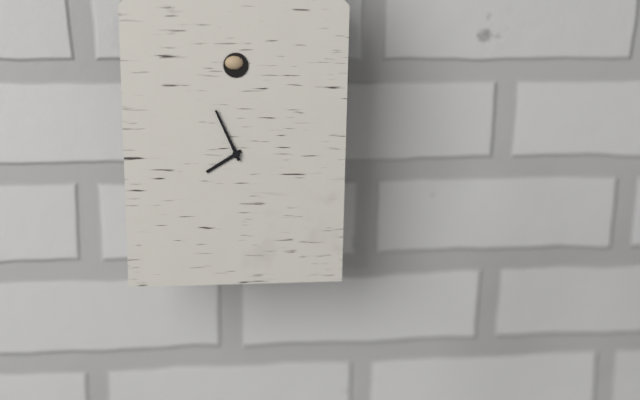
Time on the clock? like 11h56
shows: 7h56
